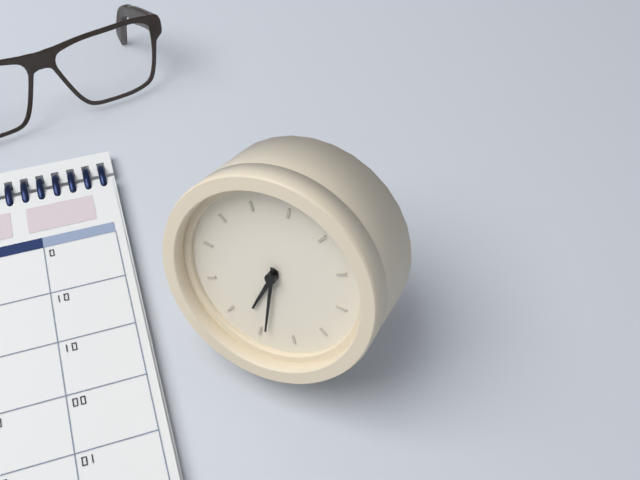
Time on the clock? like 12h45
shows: 6h29
